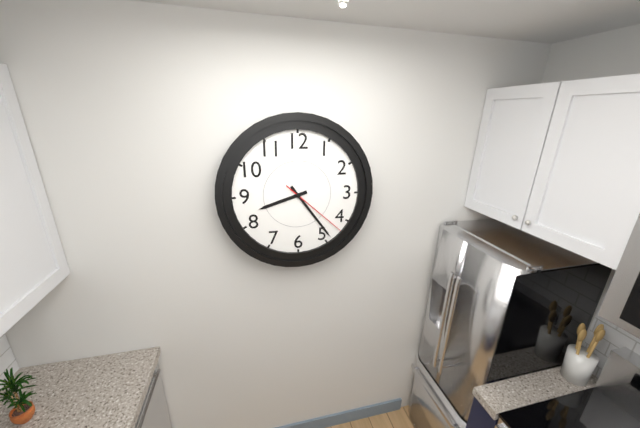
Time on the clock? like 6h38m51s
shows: 8h24m22s
